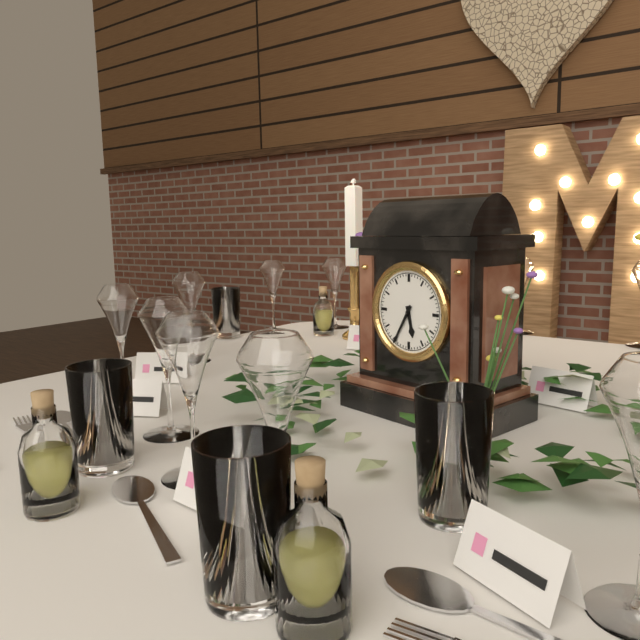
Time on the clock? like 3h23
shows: 5h35
